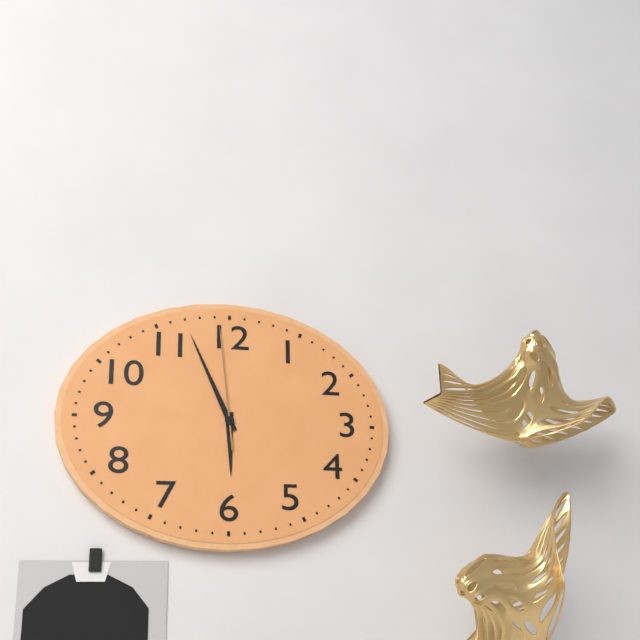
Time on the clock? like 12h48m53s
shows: 5h56m59s
